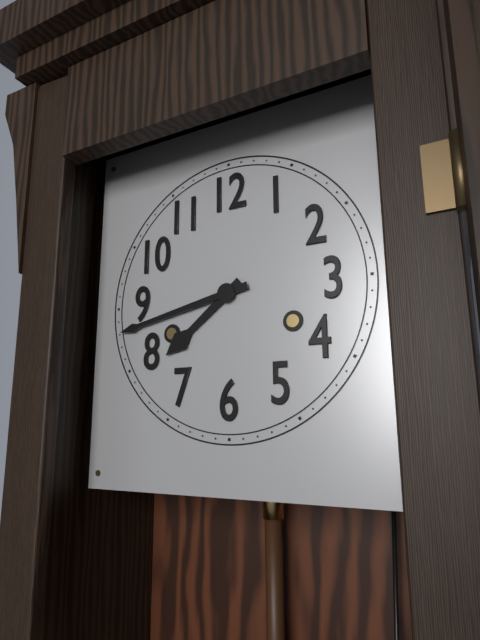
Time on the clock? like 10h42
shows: 7h43
